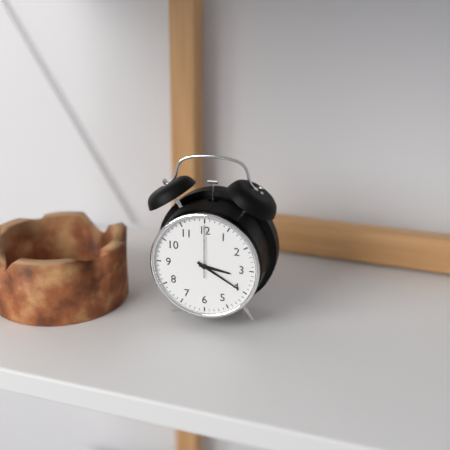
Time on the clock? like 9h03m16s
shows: 3h20m00s
